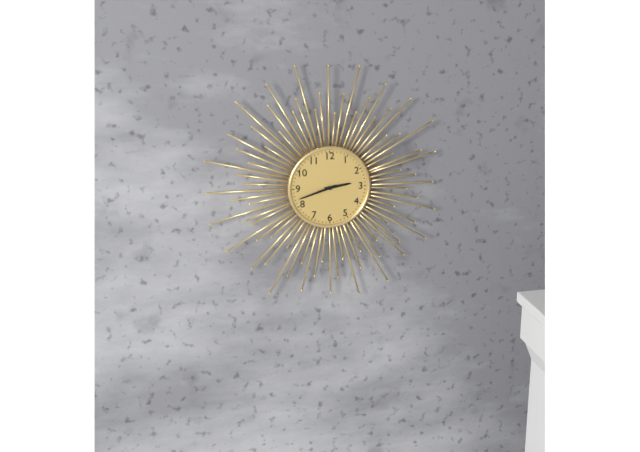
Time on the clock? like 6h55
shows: 2h42
